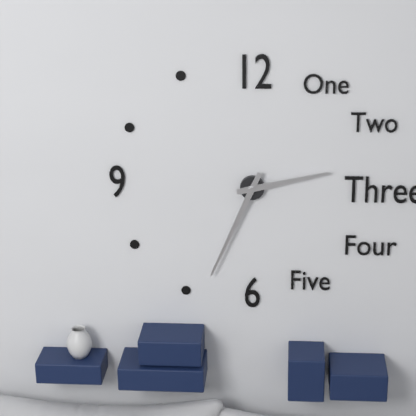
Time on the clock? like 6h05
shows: 2h34
